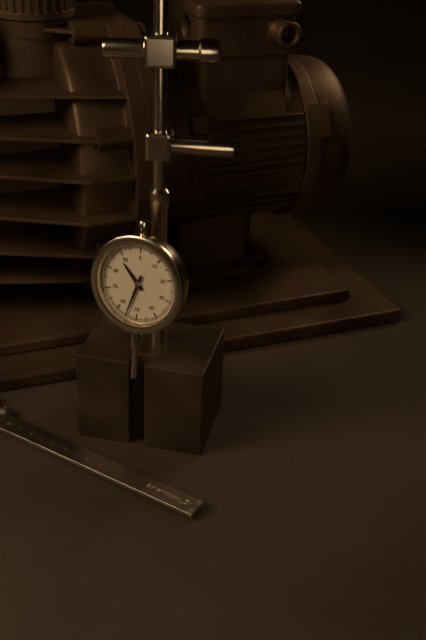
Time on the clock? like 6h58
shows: 10h33
